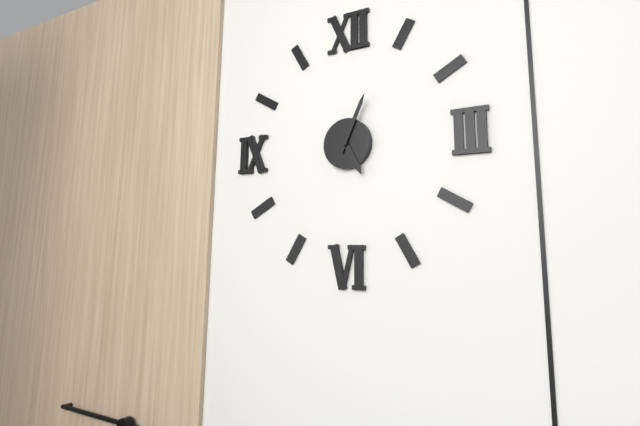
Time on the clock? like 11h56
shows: 5h04
